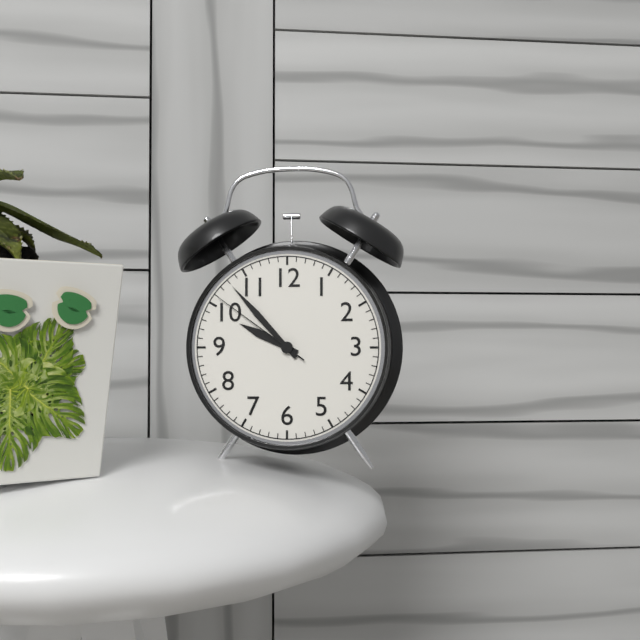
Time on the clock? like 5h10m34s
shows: 9h53m51s
